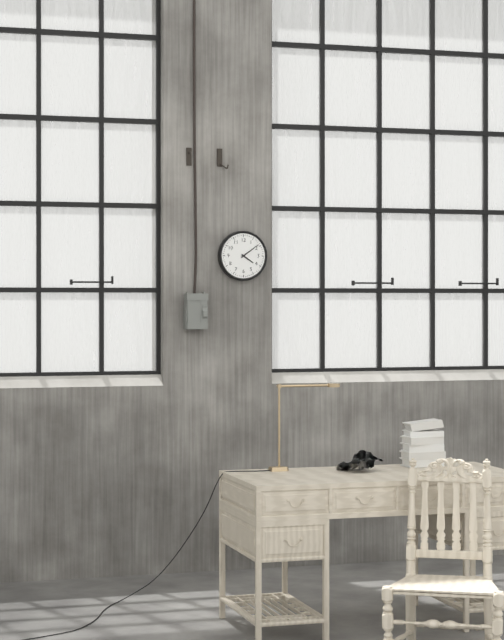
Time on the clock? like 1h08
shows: 4h09
